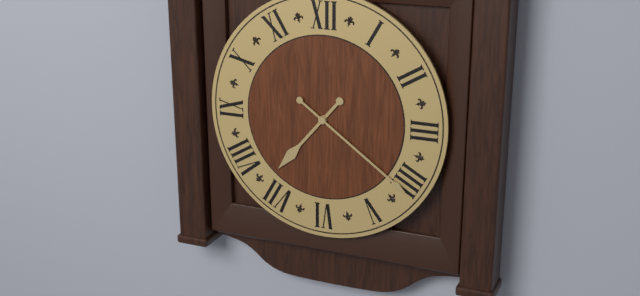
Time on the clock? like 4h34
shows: 7h21
